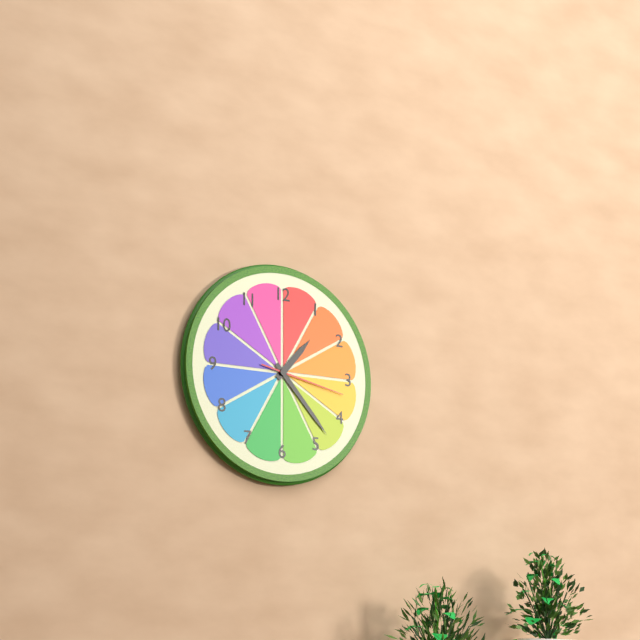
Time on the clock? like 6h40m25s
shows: 1h23m17s
